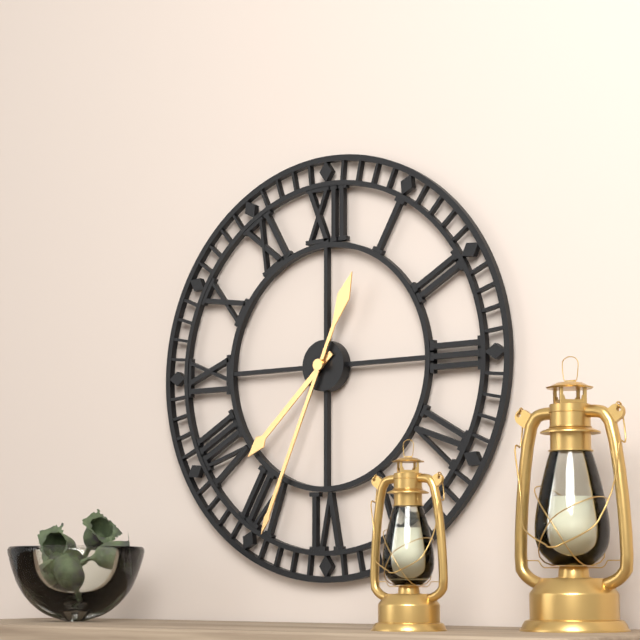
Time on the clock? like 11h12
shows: 7h34
